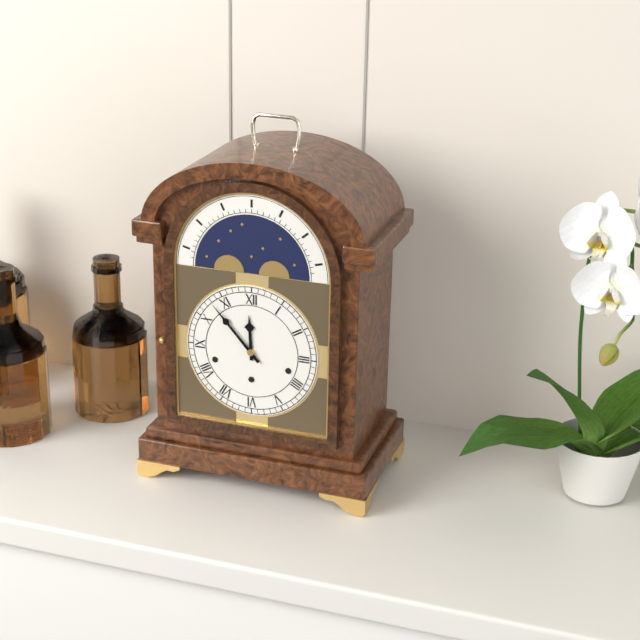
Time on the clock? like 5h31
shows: 11h53
